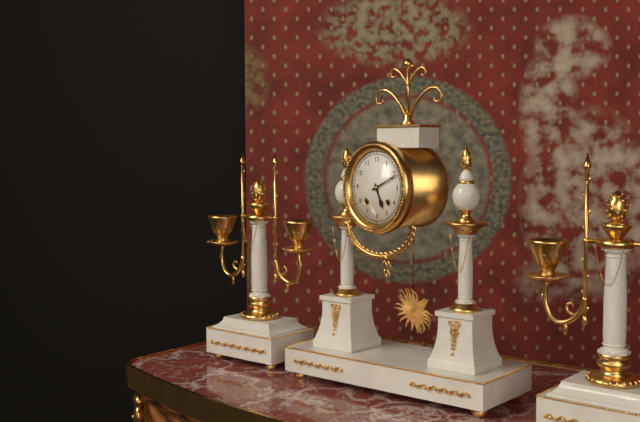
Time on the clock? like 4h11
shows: 5h11
